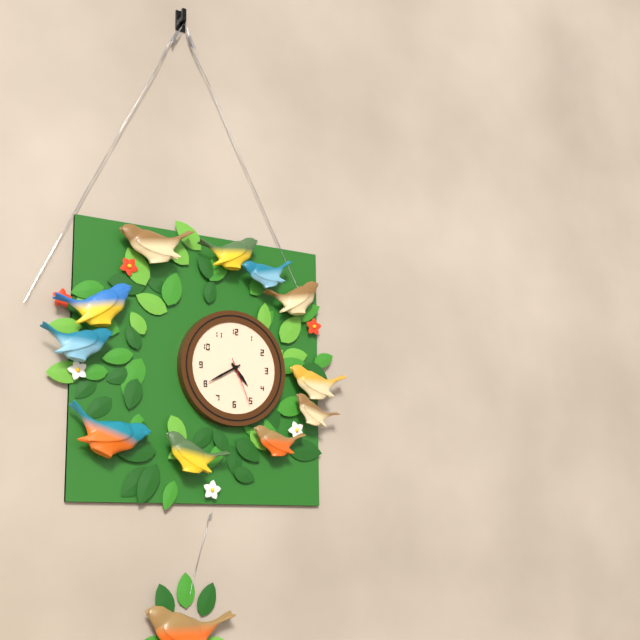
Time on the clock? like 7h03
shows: 4h40
